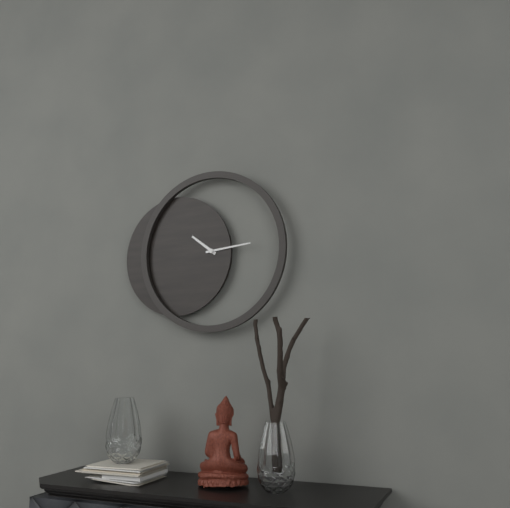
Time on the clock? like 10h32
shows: 10h14
